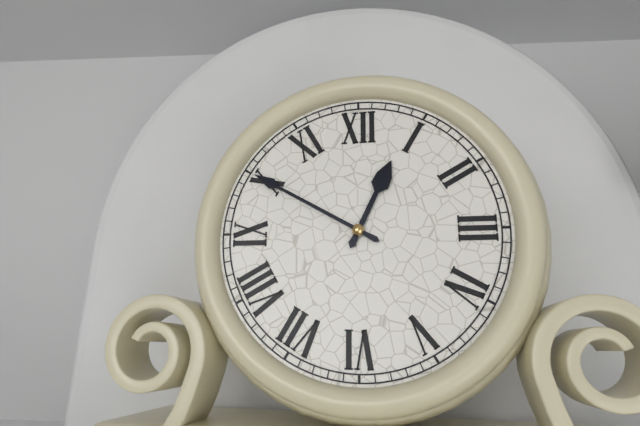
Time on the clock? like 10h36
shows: 12h50
